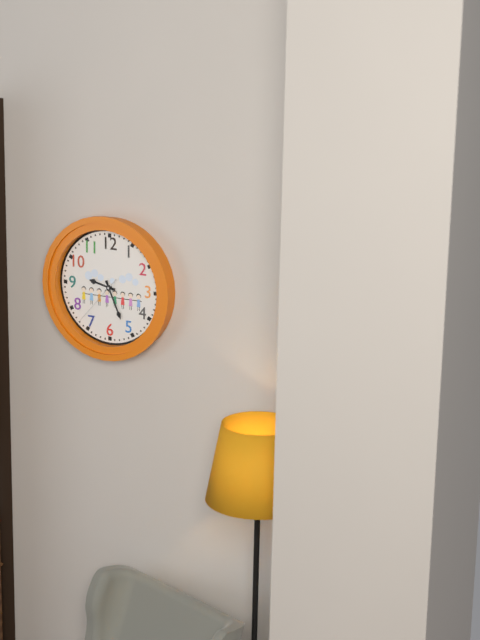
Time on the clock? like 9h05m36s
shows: 9h26m37s
